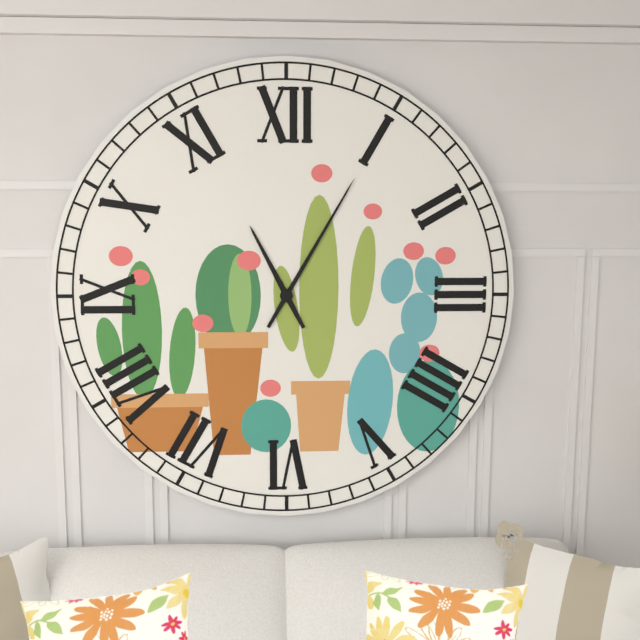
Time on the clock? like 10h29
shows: 11h05
